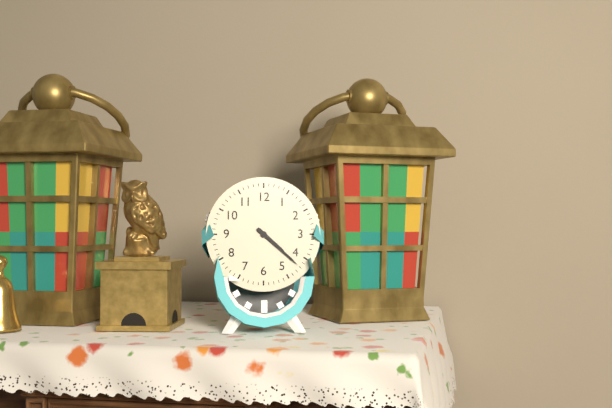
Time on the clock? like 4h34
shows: 4h22
